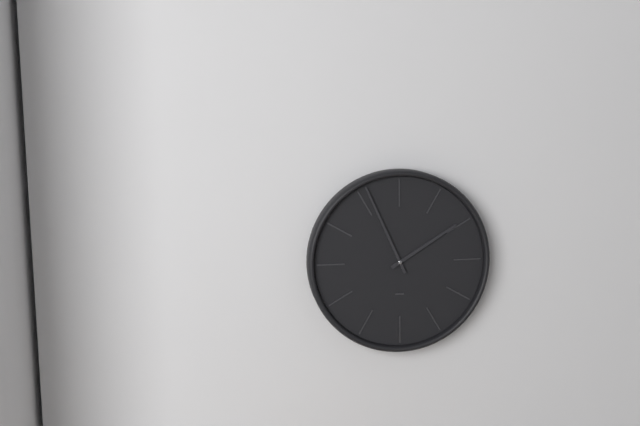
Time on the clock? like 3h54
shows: 1h56
